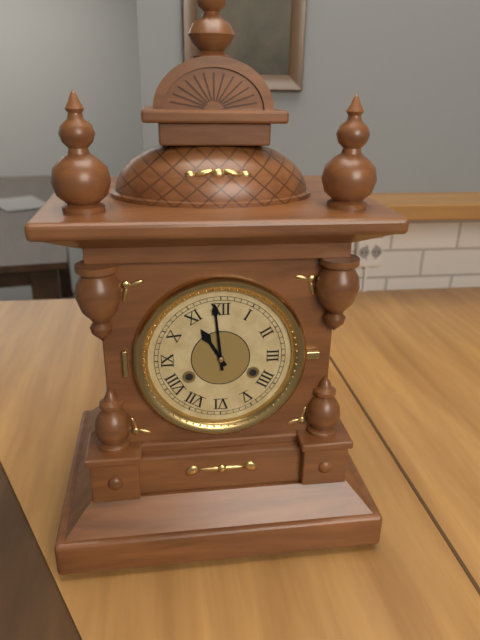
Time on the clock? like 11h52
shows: 10h59
